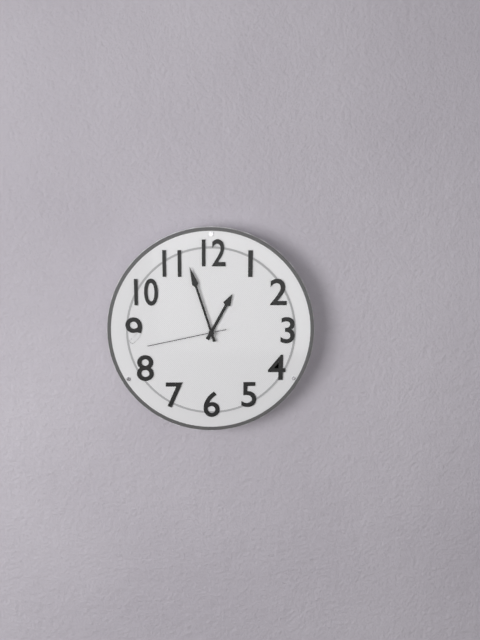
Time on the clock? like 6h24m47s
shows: 12h57m43s
